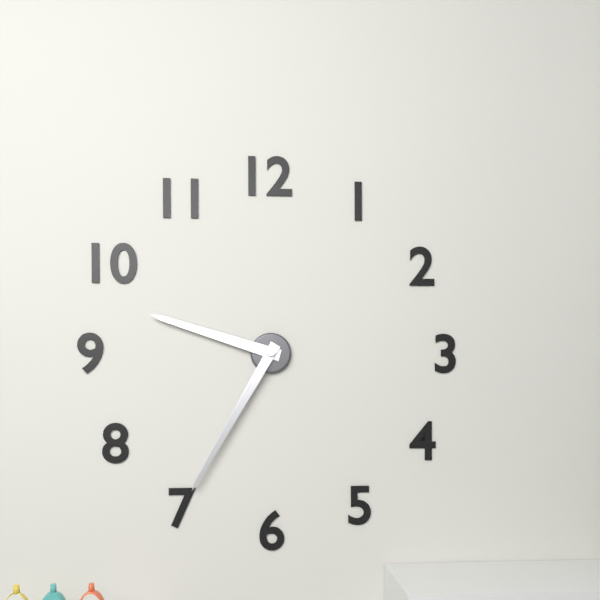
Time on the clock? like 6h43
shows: 9h35
